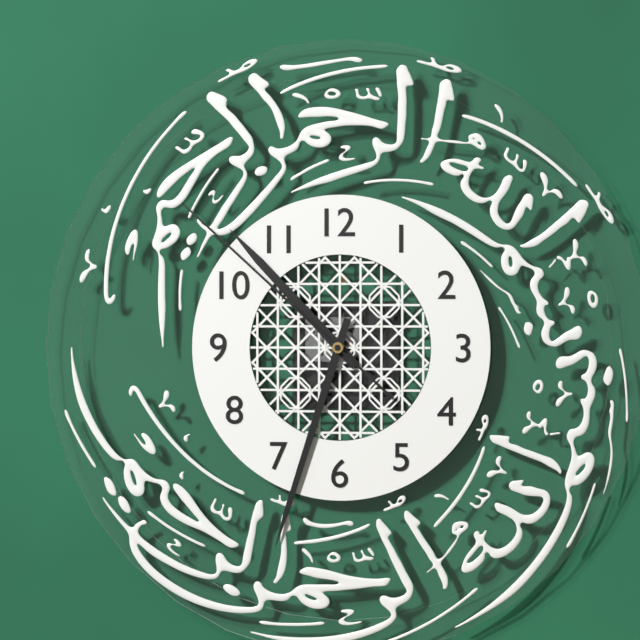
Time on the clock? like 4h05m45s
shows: 10h33m52s
